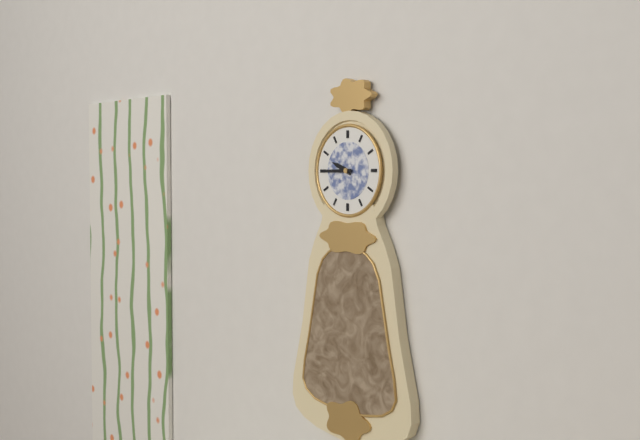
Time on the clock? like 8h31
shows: 9h45
